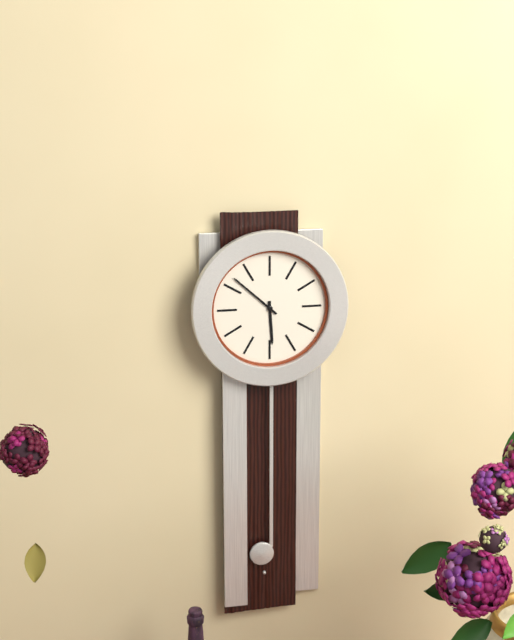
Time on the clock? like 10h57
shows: 5h52
